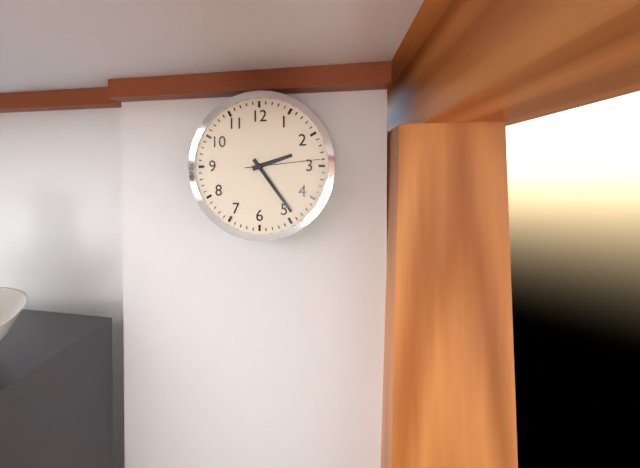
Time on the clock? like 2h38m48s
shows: 2h24m14s
